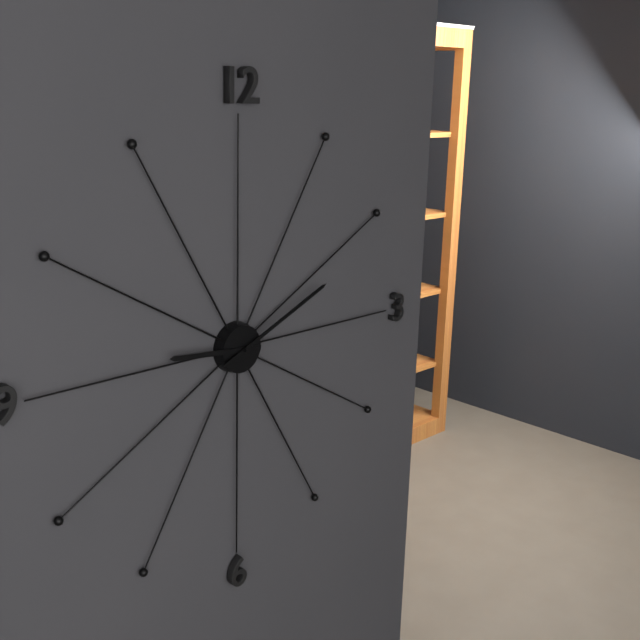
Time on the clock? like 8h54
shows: 9h11
